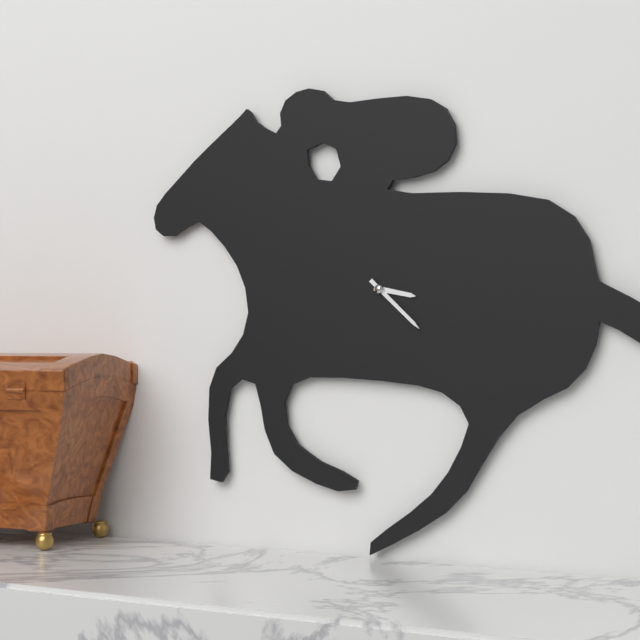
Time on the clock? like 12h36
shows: 3h22
